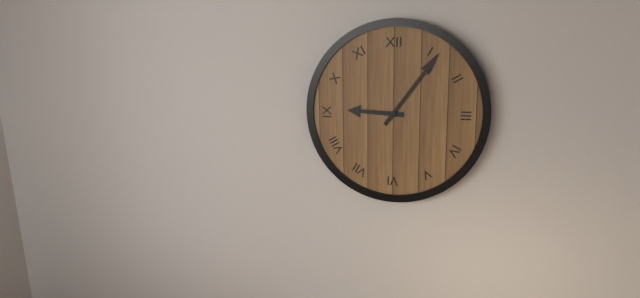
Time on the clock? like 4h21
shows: 9h06
